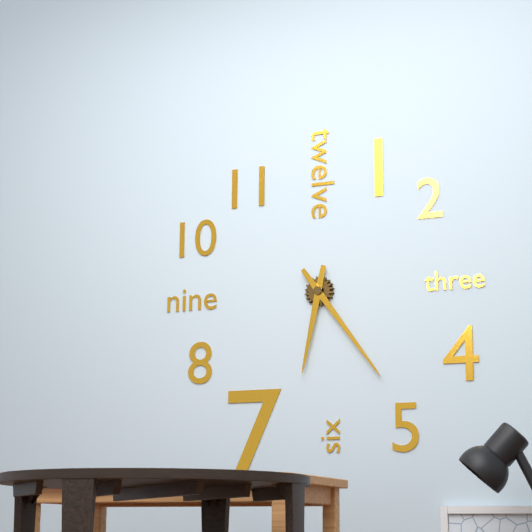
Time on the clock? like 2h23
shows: 6h24
